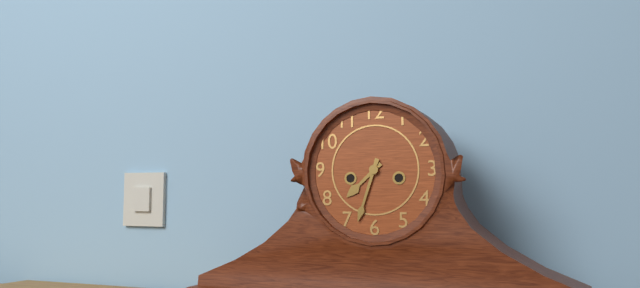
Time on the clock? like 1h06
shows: 7h33
